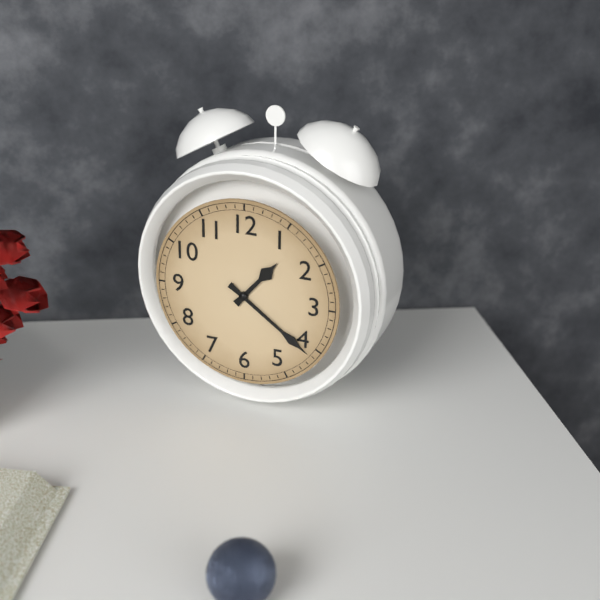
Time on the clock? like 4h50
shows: 1h21
